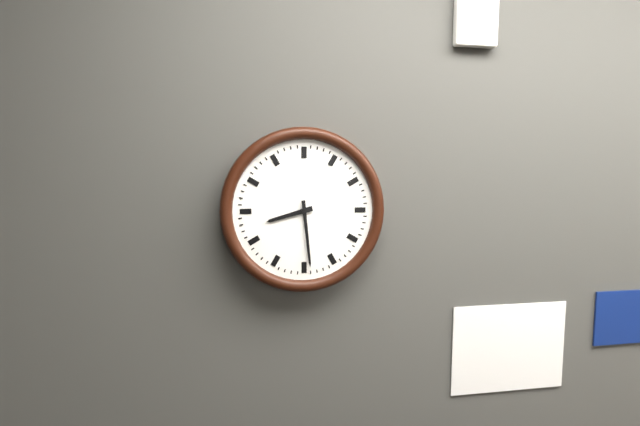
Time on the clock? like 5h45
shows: 8h29
